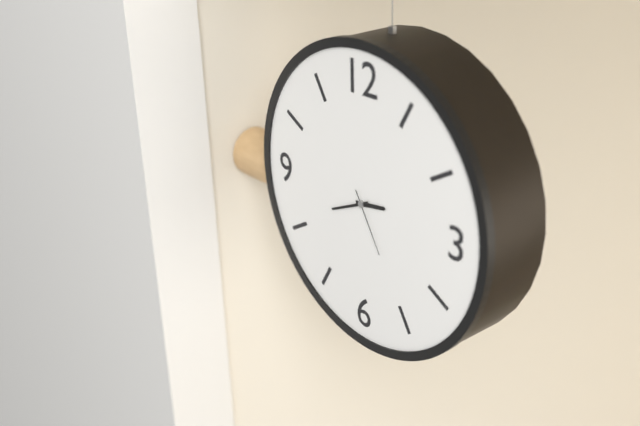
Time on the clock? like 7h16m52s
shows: 2h41m25s
